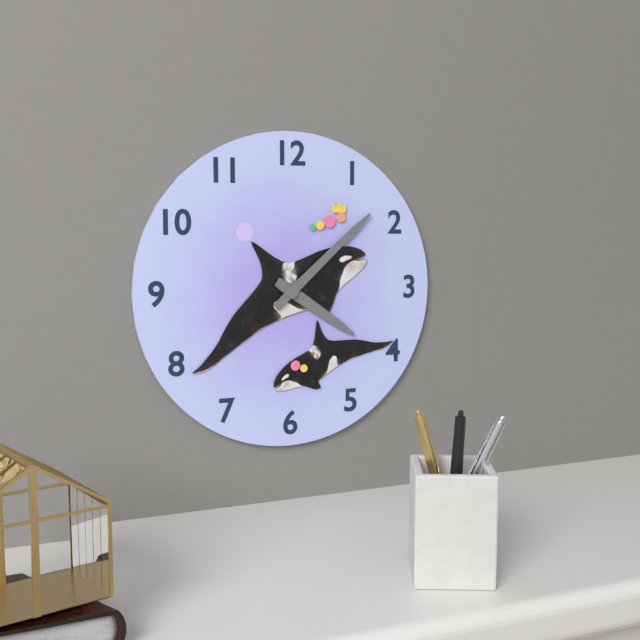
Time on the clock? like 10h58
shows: 4h08
